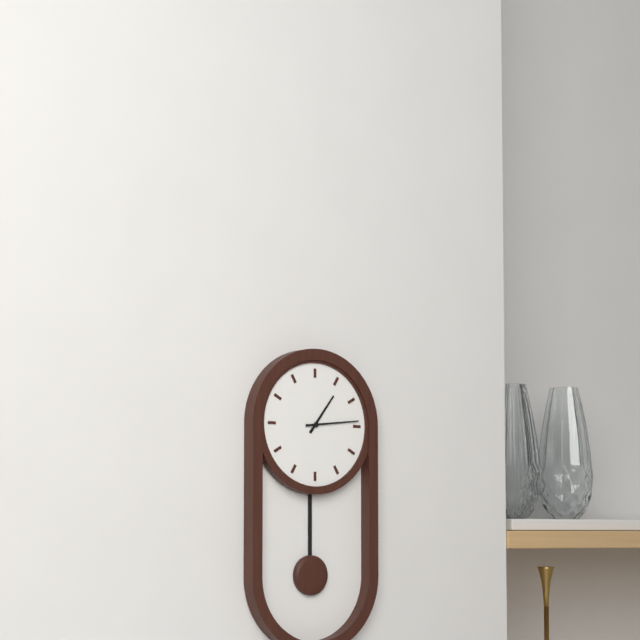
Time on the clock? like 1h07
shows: 1h14
